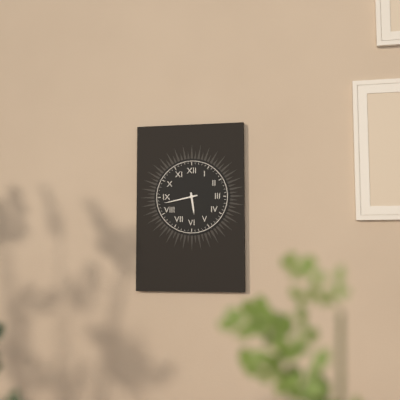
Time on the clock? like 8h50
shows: 5h43
